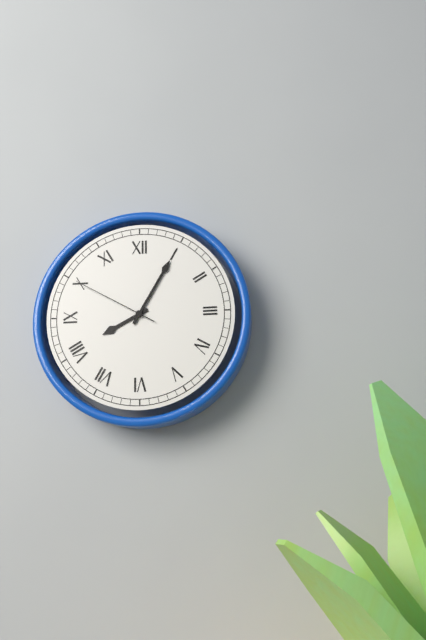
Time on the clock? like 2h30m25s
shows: 8h05m50s
